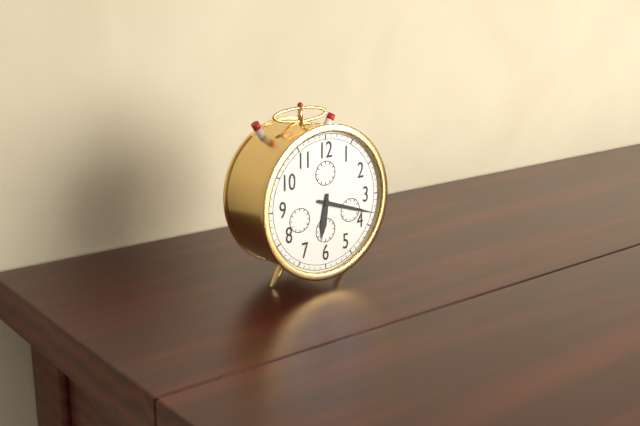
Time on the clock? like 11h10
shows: 6h18
